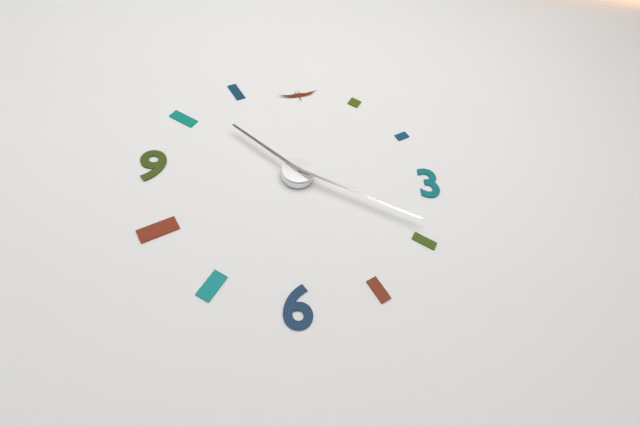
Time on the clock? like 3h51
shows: 10h19
